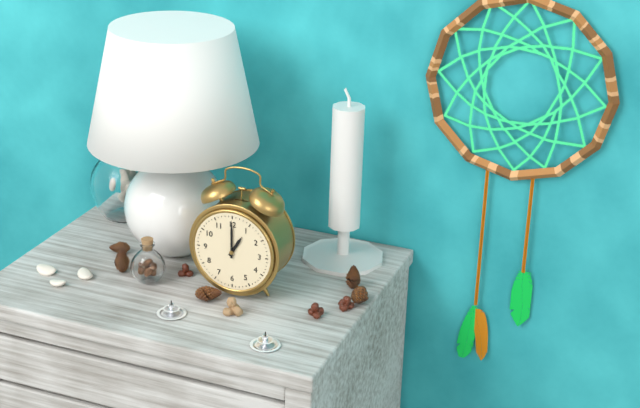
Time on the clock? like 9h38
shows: 1h00
